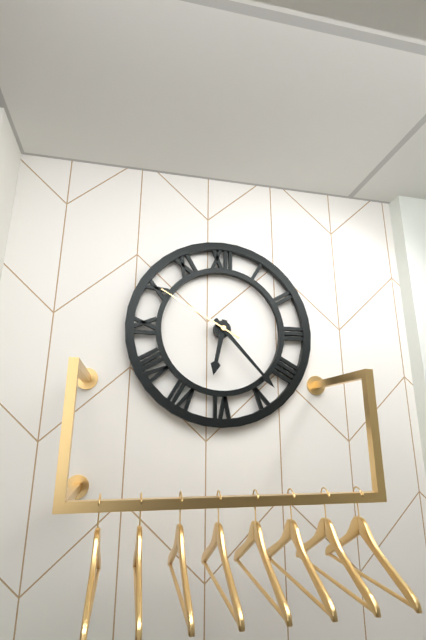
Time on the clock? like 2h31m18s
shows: 6h23m50s
